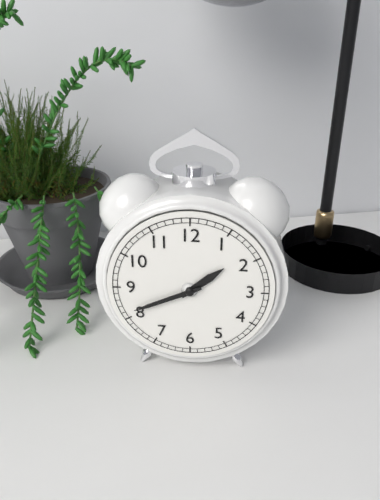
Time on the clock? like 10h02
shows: 1h41
